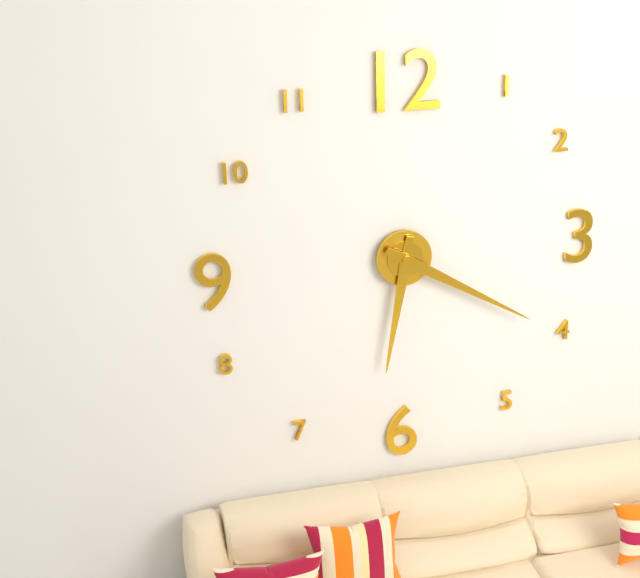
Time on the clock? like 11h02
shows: 6h20
